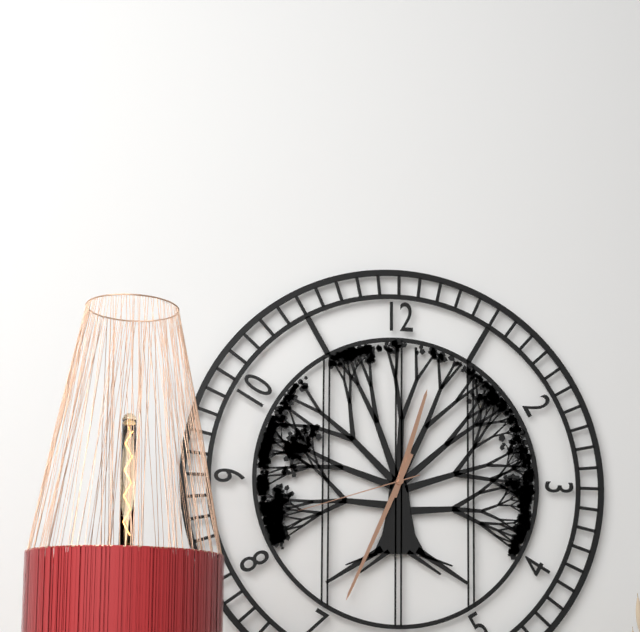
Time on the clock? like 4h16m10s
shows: 12h34m42s
